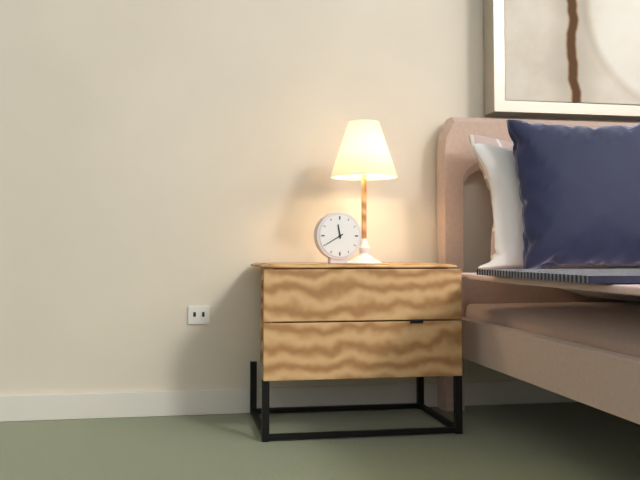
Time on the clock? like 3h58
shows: 11h40
